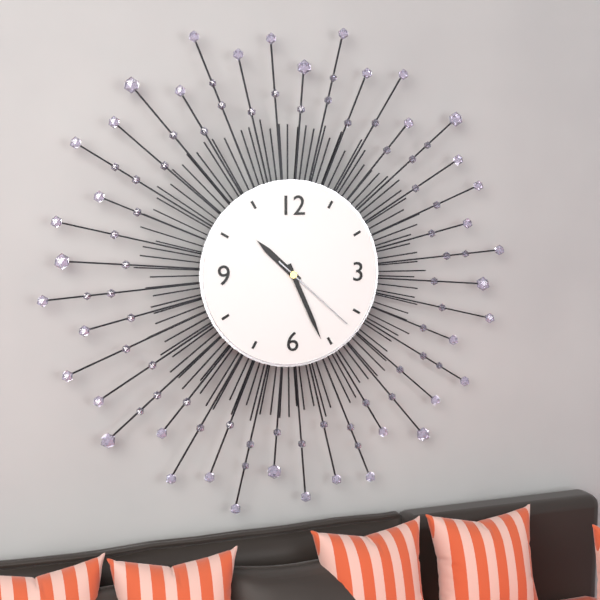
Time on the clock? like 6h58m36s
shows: 10h26m22s
